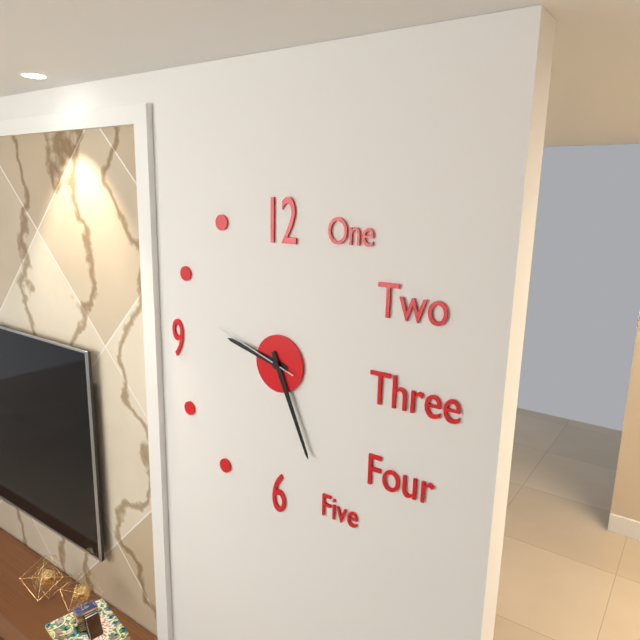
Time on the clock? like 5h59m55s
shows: 9h26m48s
